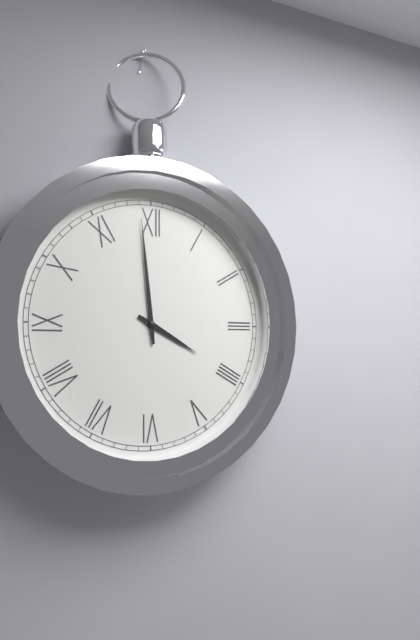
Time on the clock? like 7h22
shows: 3h59
